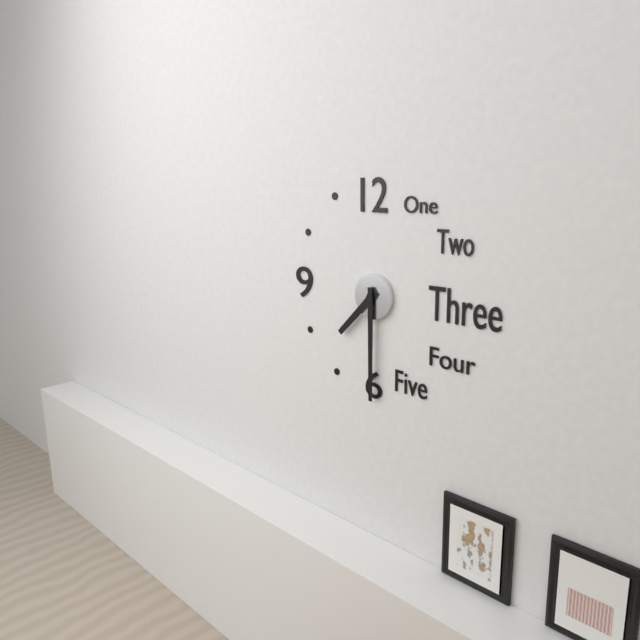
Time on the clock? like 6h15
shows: 7h30
